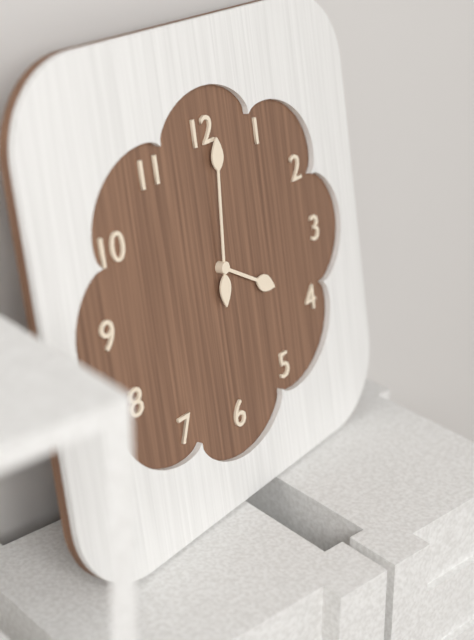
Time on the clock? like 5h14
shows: 4h01
